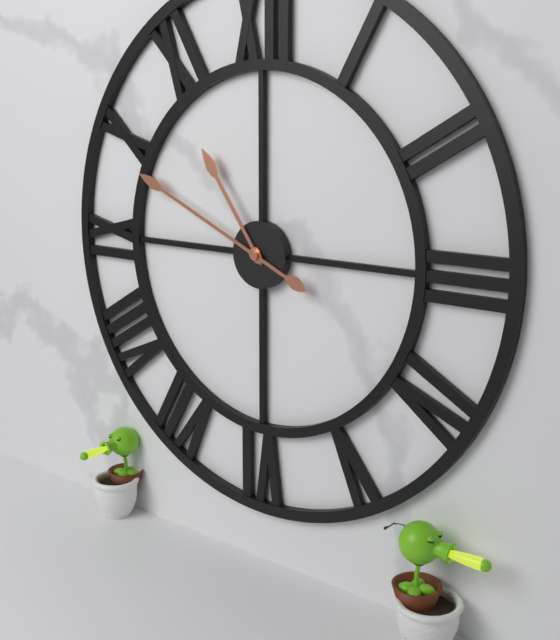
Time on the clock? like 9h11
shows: 10h49
